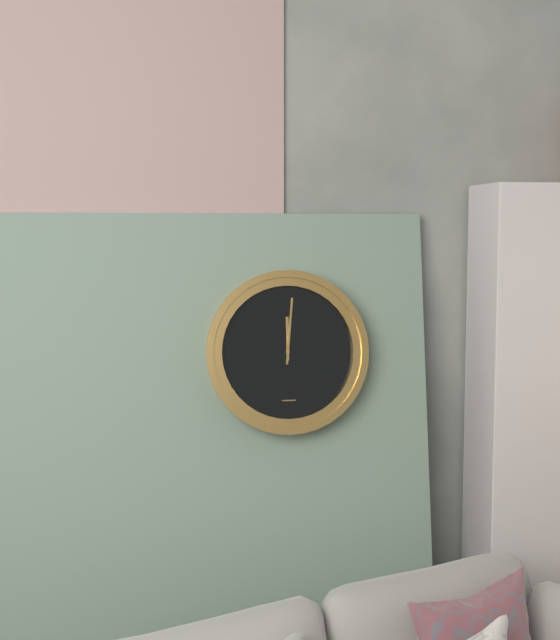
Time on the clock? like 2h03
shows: 12h01
